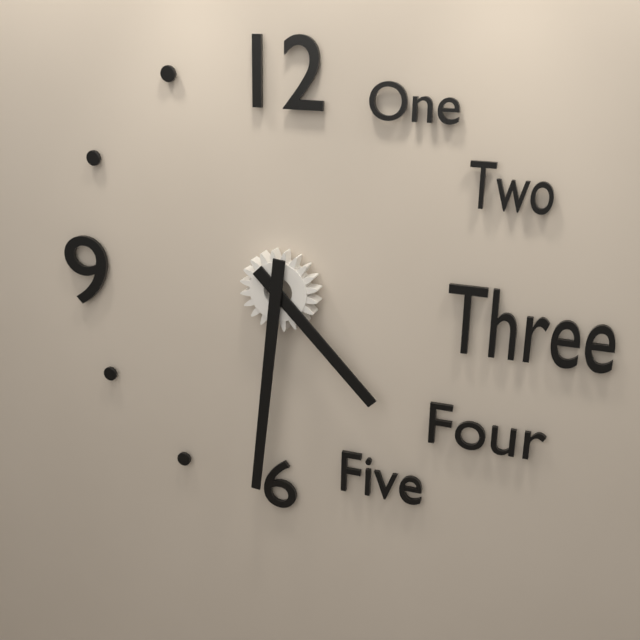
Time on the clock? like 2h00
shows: 4h31
